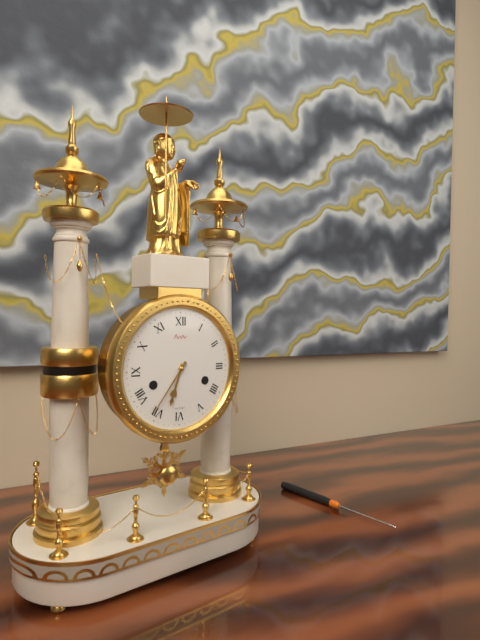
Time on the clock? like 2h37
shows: 6h36
